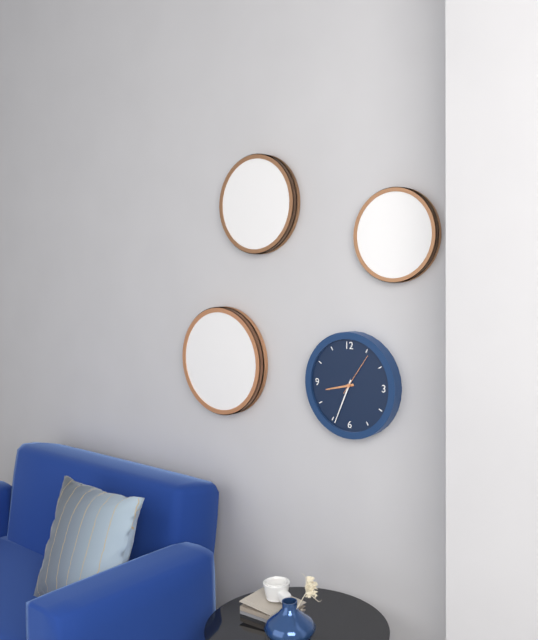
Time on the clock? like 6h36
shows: 8h34
